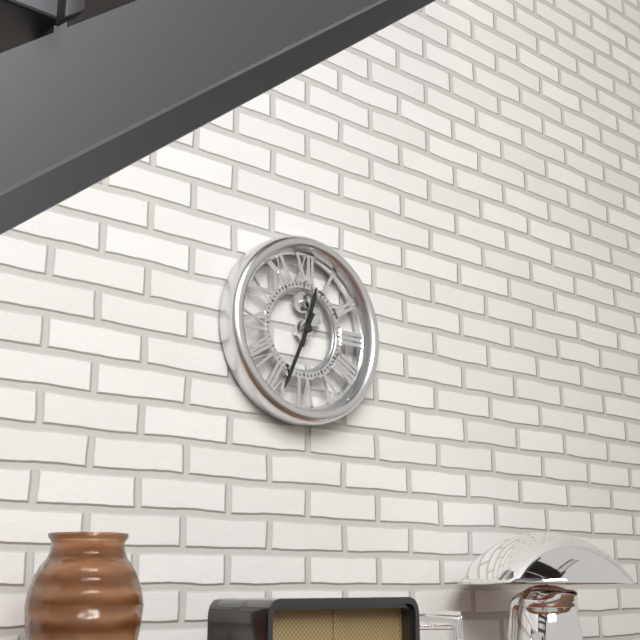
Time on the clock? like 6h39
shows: 12h34
